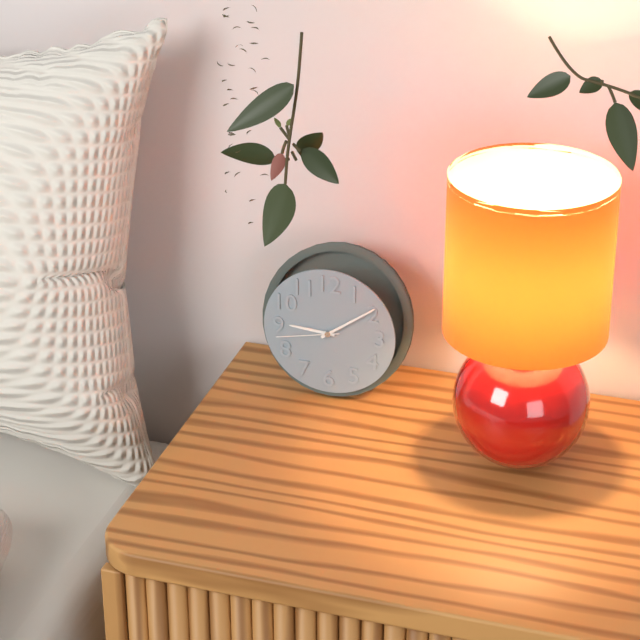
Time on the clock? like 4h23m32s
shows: 9h09m43s
